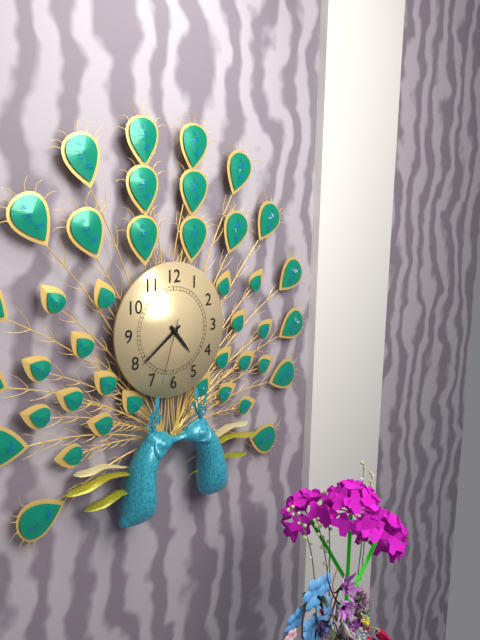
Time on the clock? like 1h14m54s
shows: 4h39m33s
